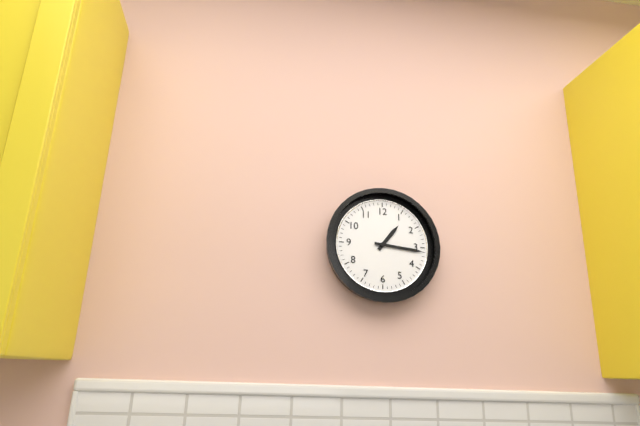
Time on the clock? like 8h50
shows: 1h16
